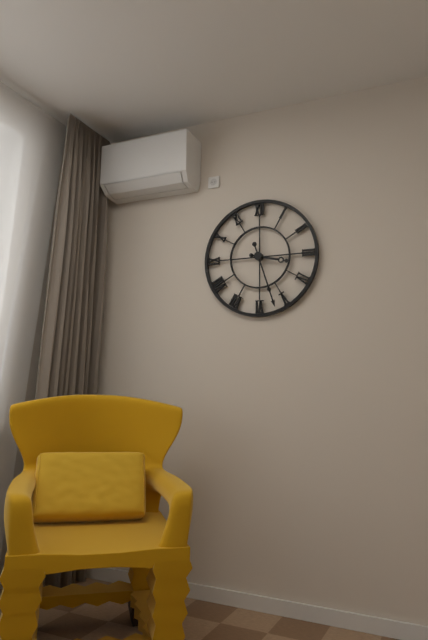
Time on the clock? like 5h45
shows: 3h27
